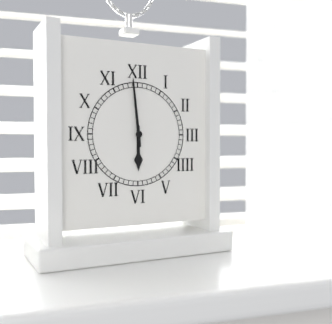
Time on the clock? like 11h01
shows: 5h59
